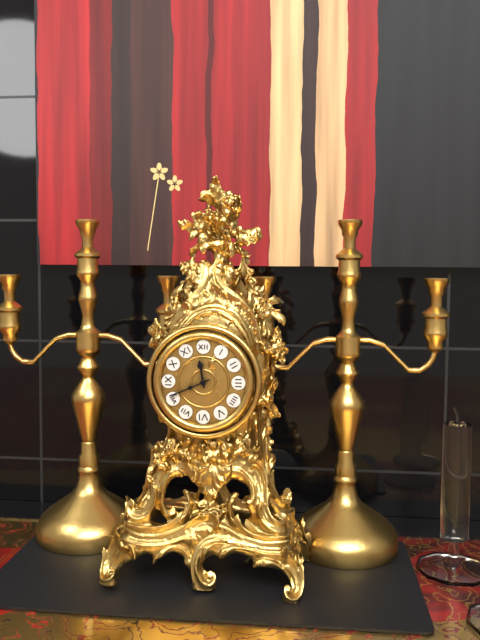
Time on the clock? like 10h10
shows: 11h41
